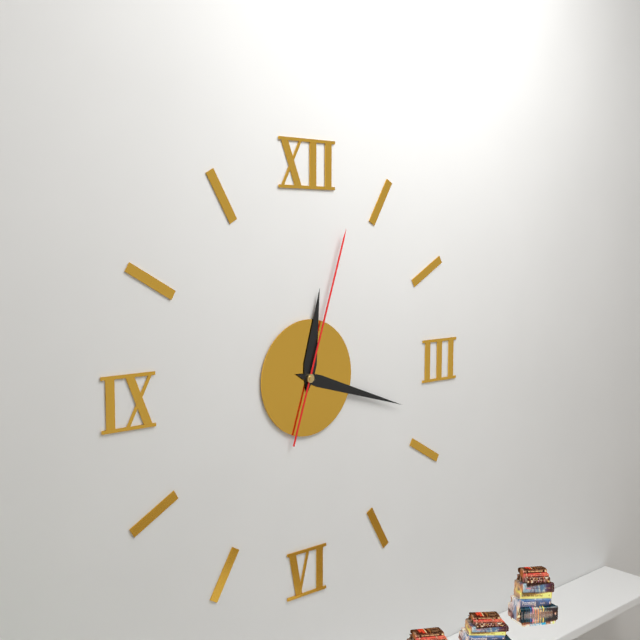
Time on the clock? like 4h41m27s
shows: 12h18m03s
